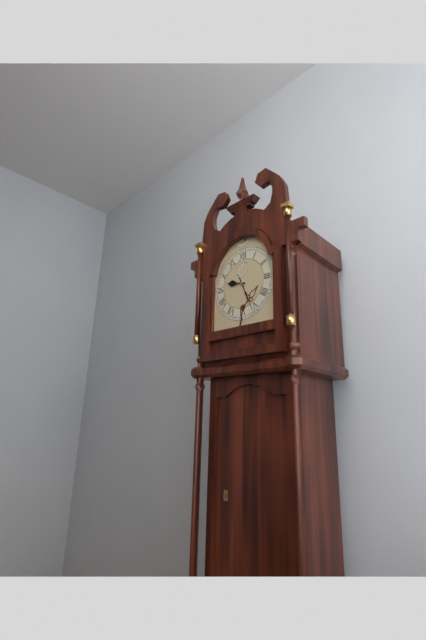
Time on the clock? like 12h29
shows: 9h26
